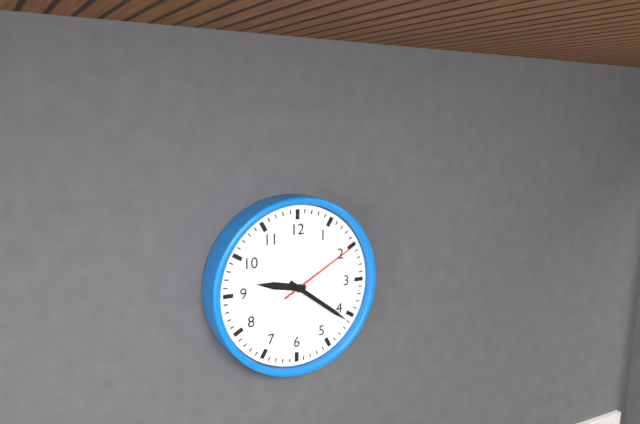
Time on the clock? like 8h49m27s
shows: 9h21m10s
